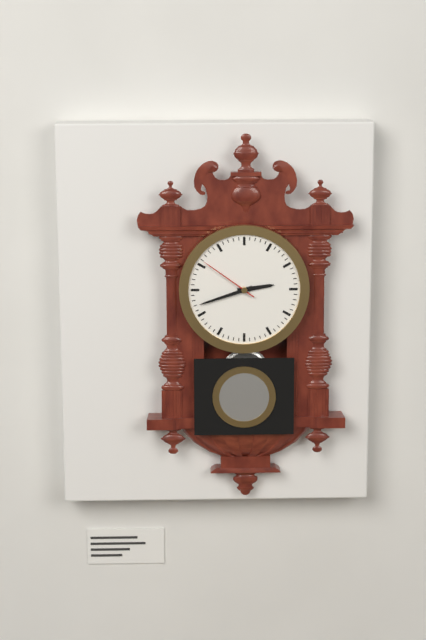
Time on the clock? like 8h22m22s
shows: 2h42m51s
